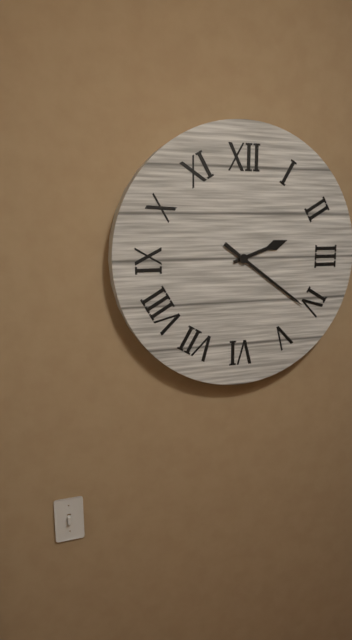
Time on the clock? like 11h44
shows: 2h21
